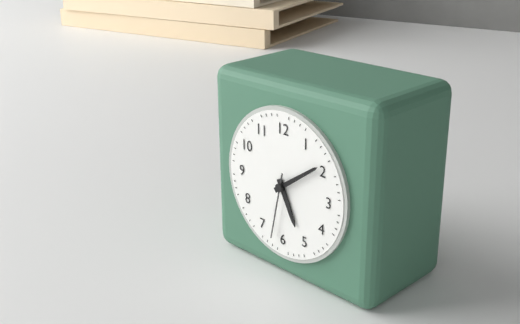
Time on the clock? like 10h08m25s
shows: 5h09m32s
